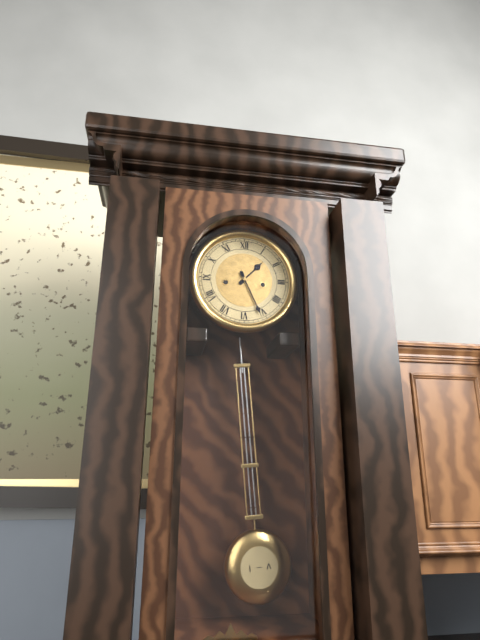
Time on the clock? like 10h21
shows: 1h26
